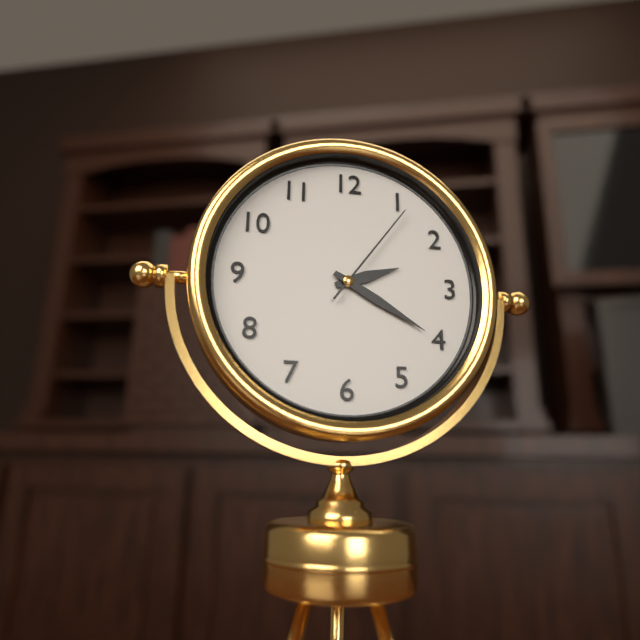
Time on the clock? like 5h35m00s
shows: 2h20m06s
